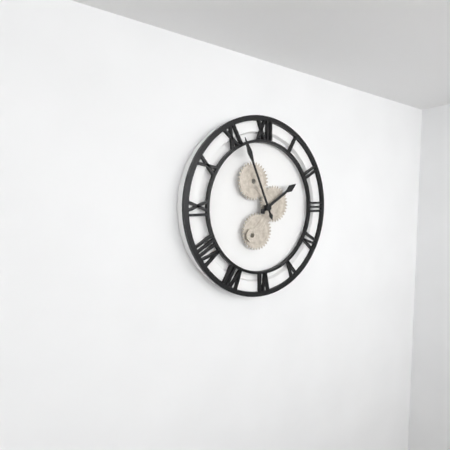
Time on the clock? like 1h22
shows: 1h56
